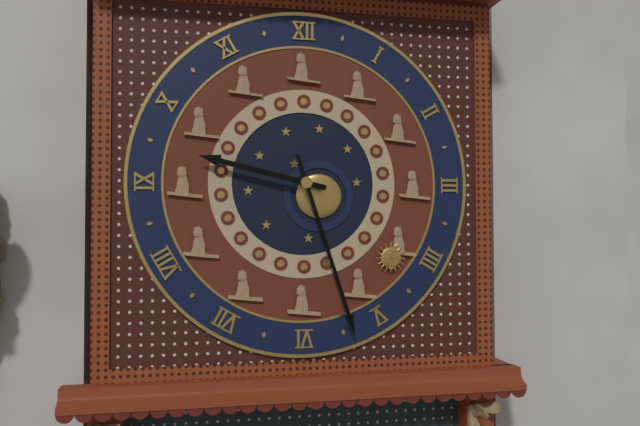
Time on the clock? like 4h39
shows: 9h27
